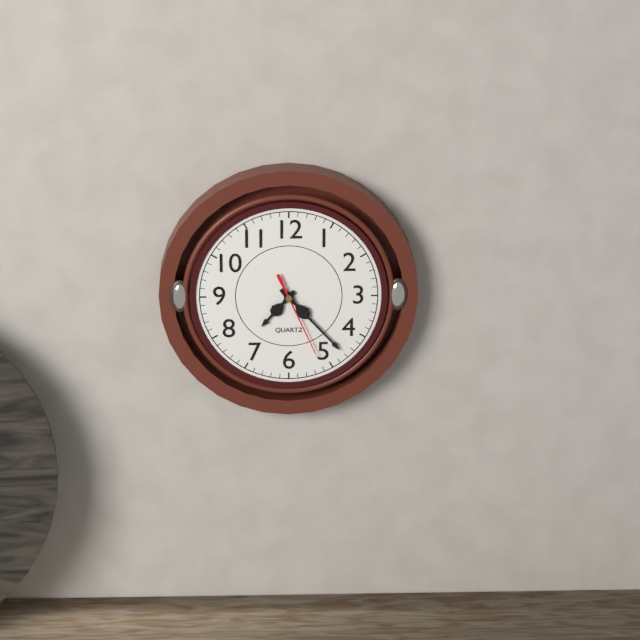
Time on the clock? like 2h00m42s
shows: 7h23m26s
